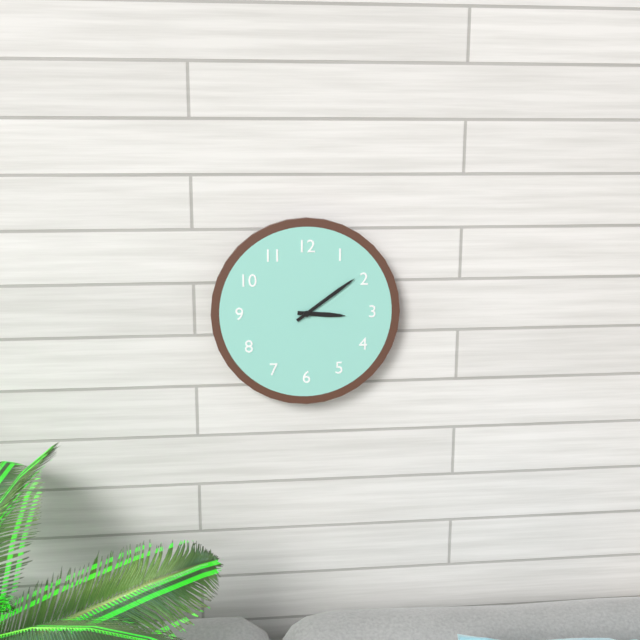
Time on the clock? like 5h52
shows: 3h09
